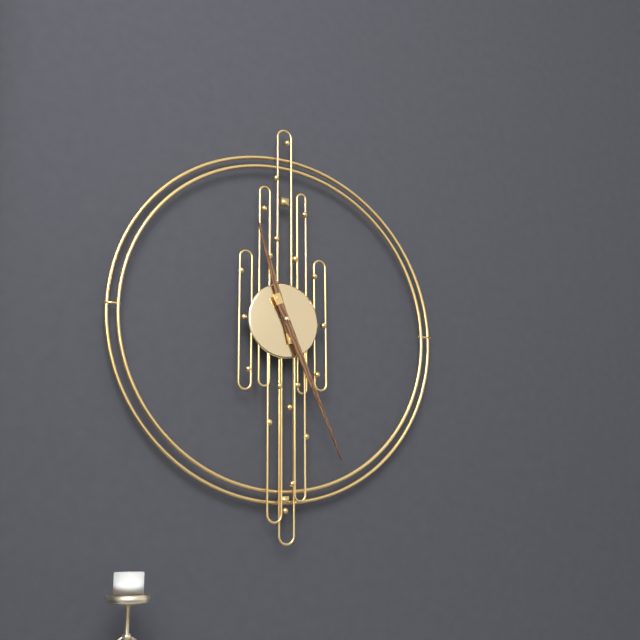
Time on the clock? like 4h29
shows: 11h26
